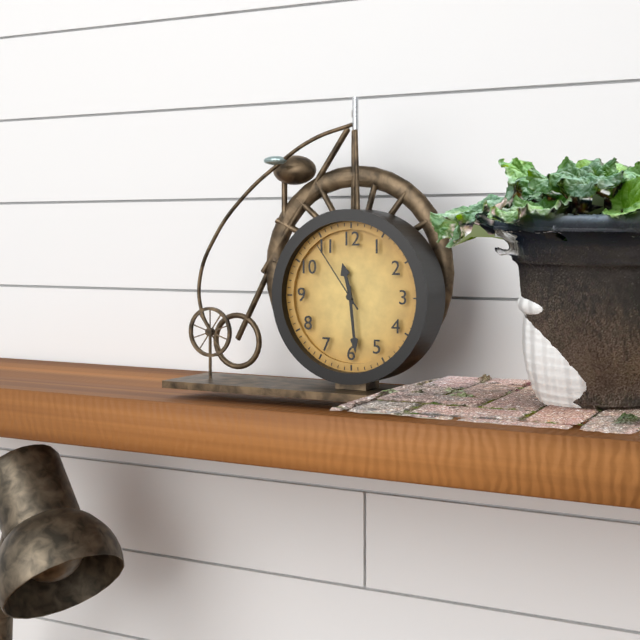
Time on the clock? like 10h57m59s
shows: 11h29m54s
